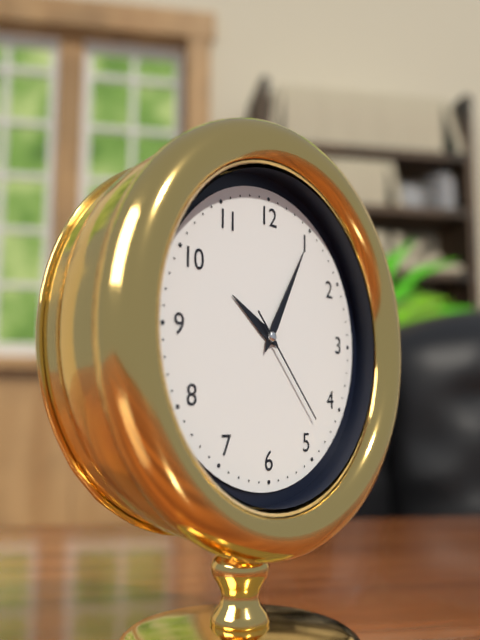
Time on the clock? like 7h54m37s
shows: 10h05m23s
